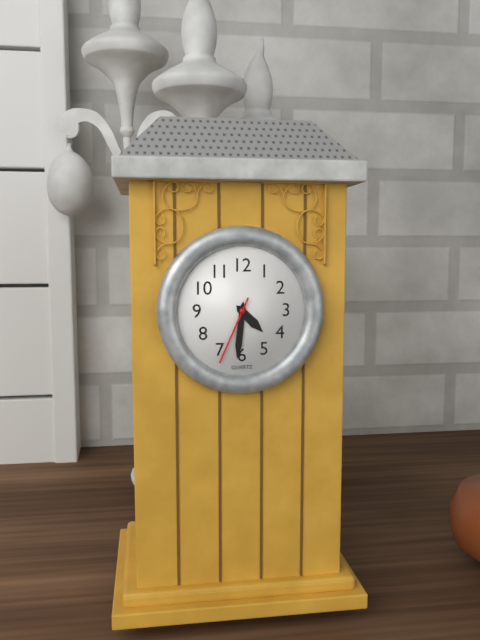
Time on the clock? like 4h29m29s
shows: 4h31m34s
